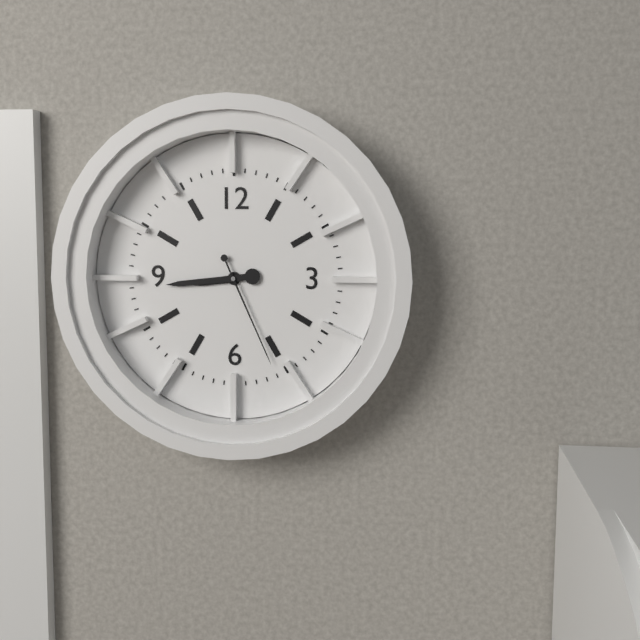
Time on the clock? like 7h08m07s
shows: 8h44m26s
